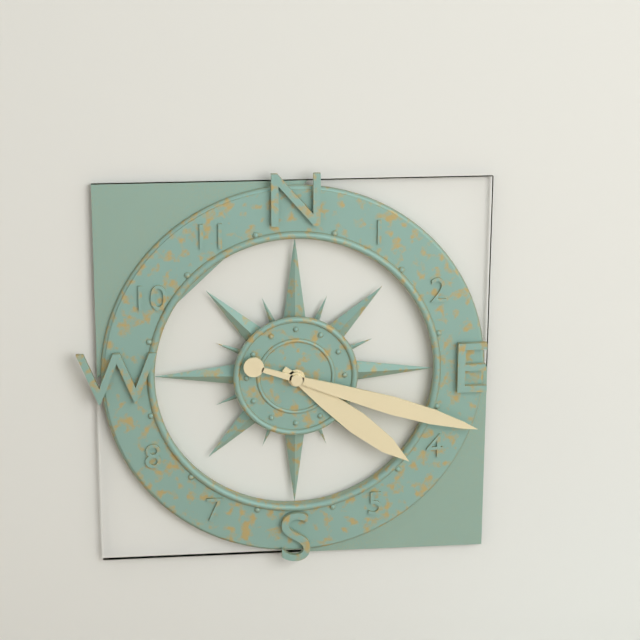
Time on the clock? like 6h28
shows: 4h18
